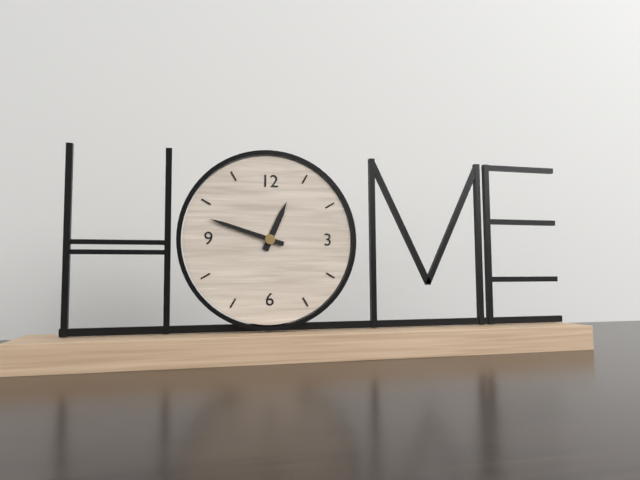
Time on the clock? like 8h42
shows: 12h48
